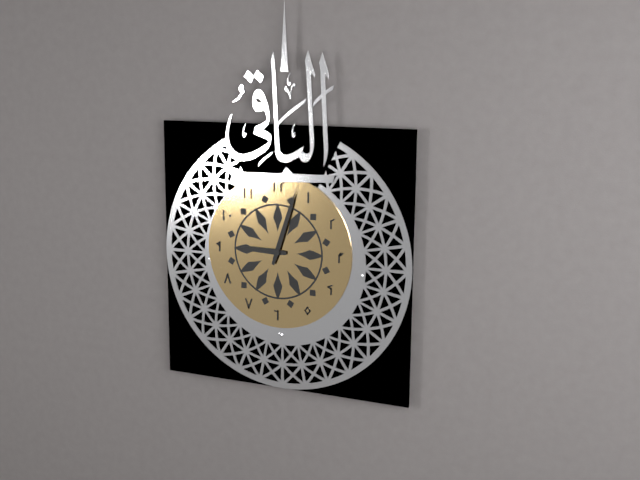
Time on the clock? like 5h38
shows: 9h03
